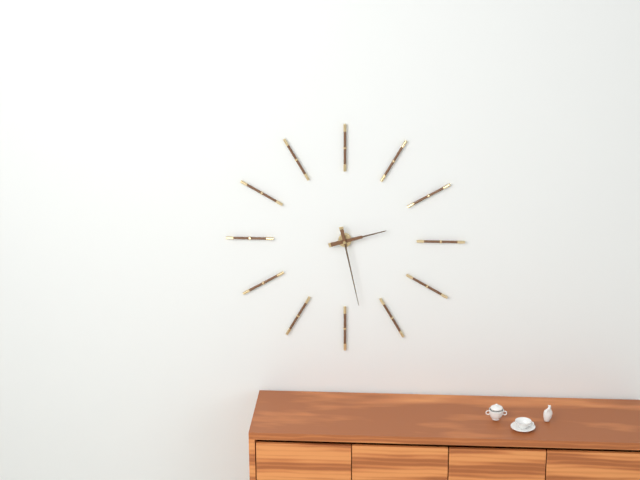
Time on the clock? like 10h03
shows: 2h28
